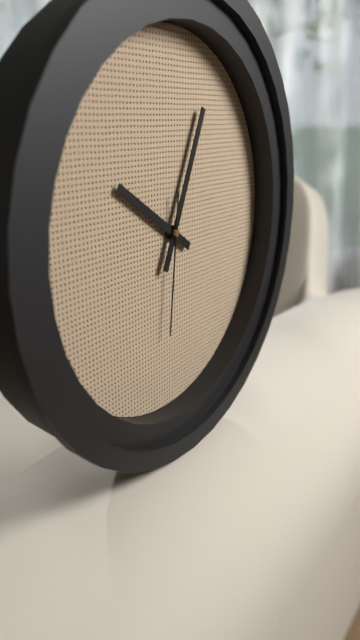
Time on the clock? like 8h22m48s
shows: 10h04m31s
